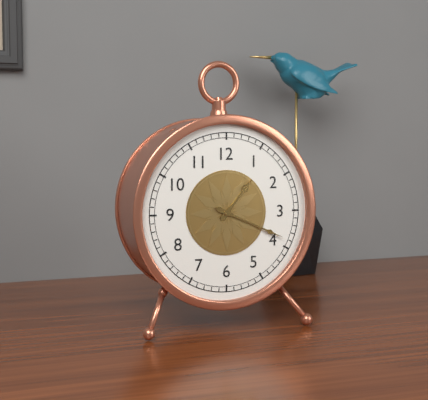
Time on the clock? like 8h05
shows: 1h19
